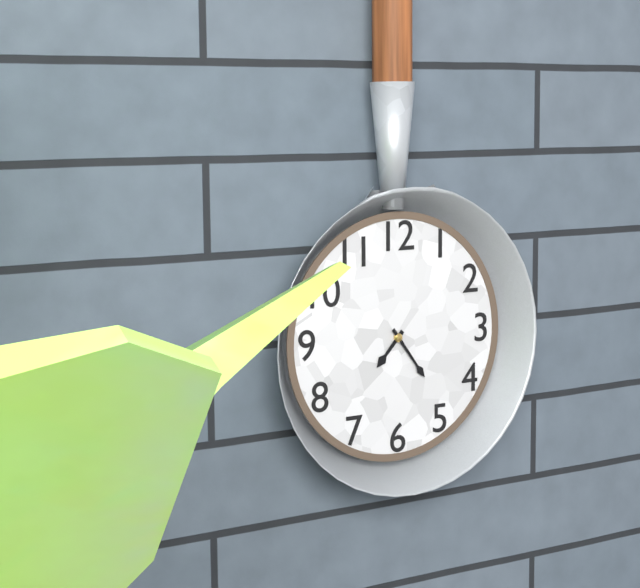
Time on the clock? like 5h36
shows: 7h24
